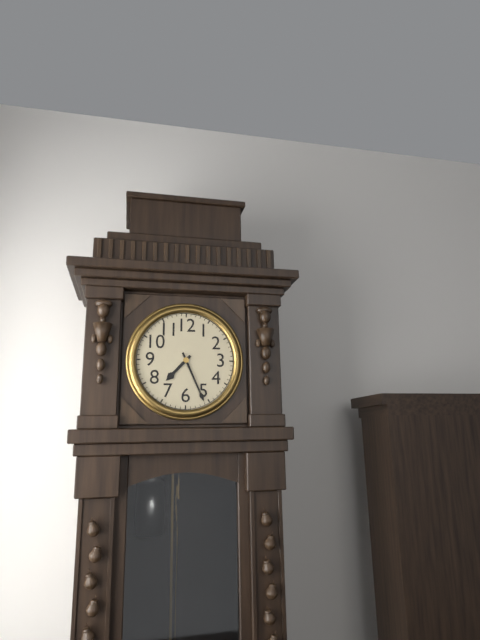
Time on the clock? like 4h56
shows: 7h26
